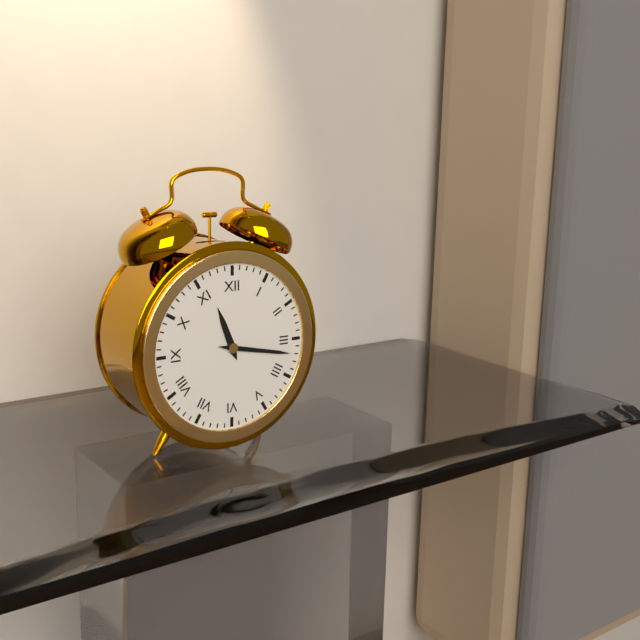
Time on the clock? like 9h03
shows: 11h17
